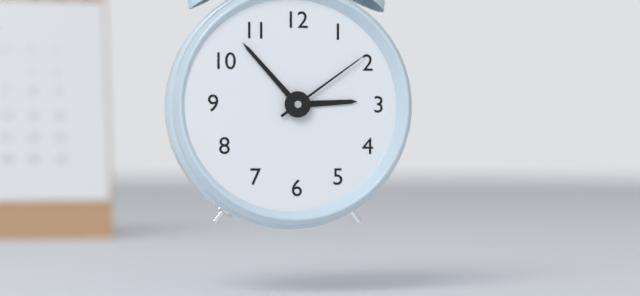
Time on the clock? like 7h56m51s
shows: 2h53m09s
